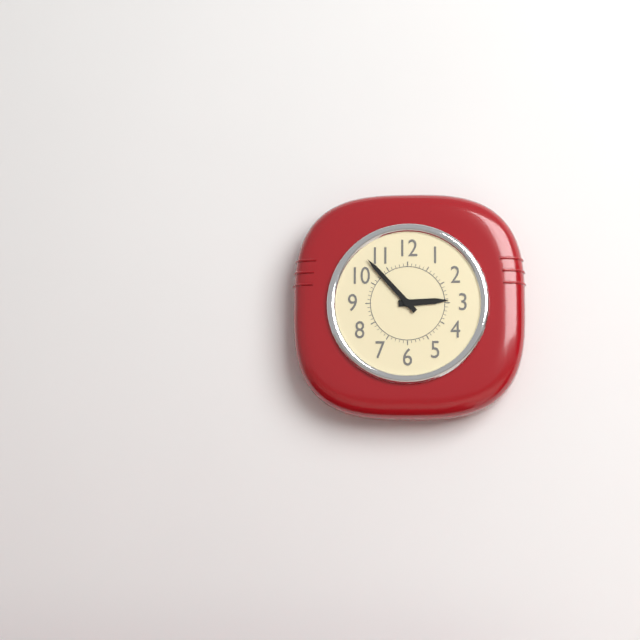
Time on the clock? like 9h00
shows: 2h53
